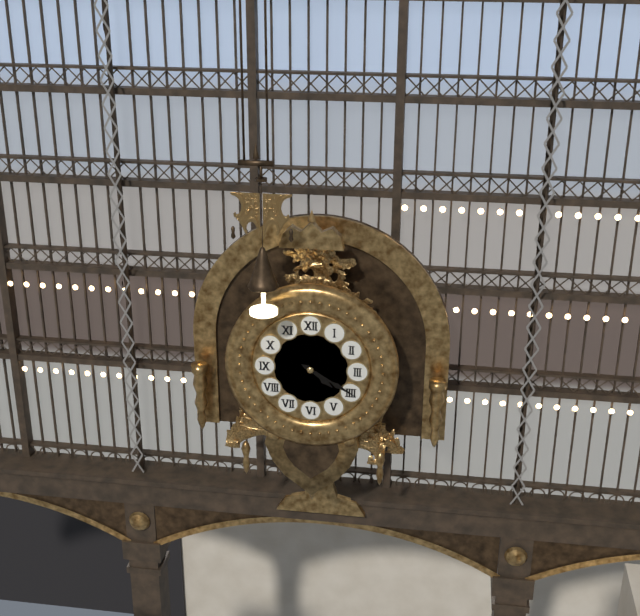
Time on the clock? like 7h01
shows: 4h20
